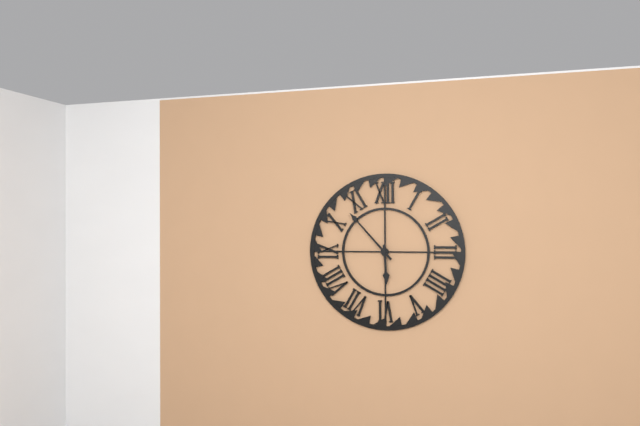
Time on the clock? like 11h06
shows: 5h53
